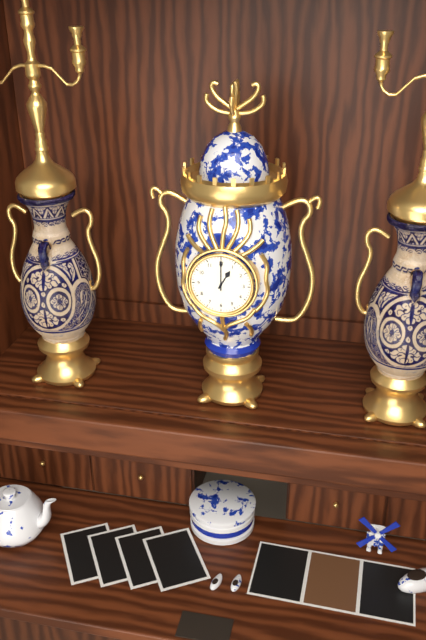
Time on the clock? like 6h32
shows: 1h00
